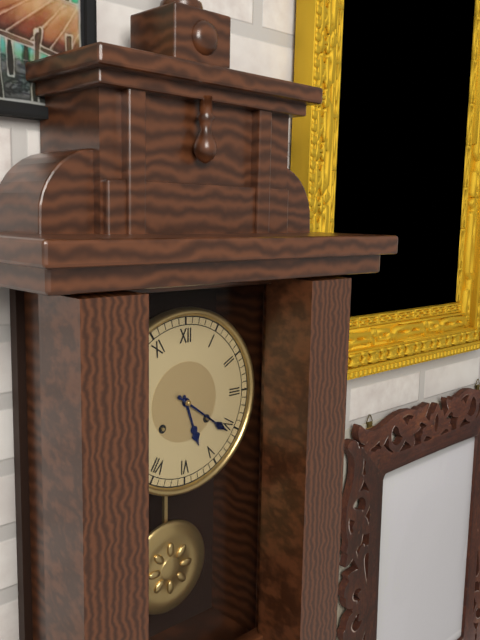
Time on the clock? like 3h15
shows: 5h21
